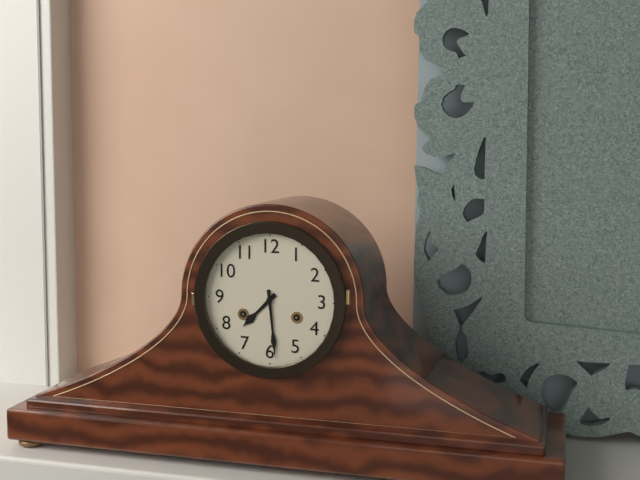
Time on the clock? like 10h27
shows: 7h29
